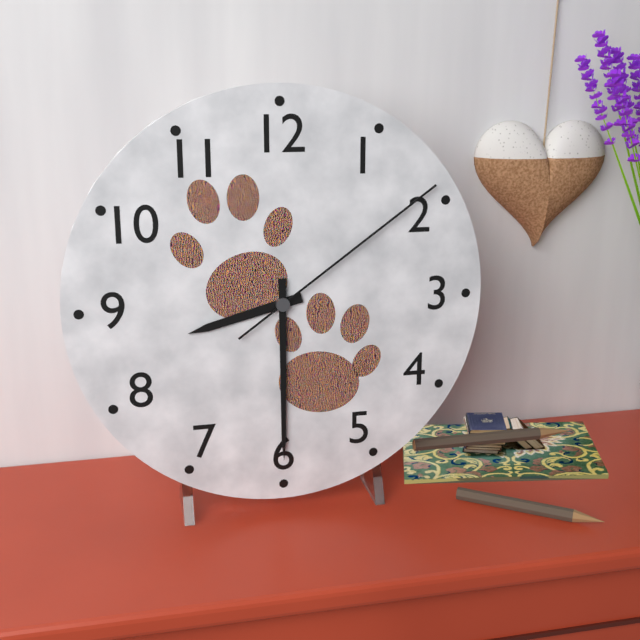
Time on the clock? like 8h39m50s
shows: 8h30m09s
